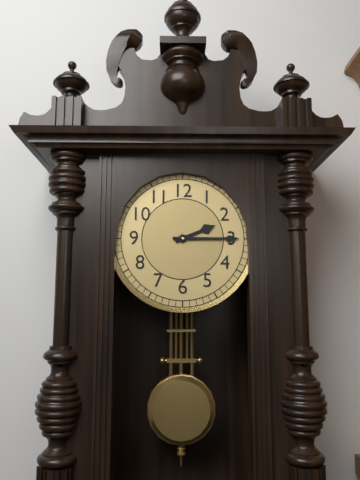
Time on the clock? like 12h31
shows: 2h15
